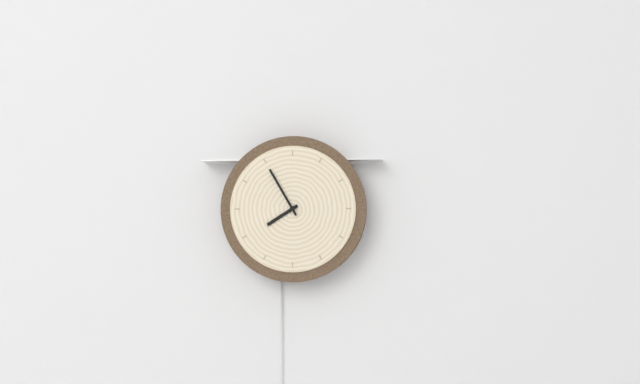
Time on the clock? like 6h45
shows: 7h55
